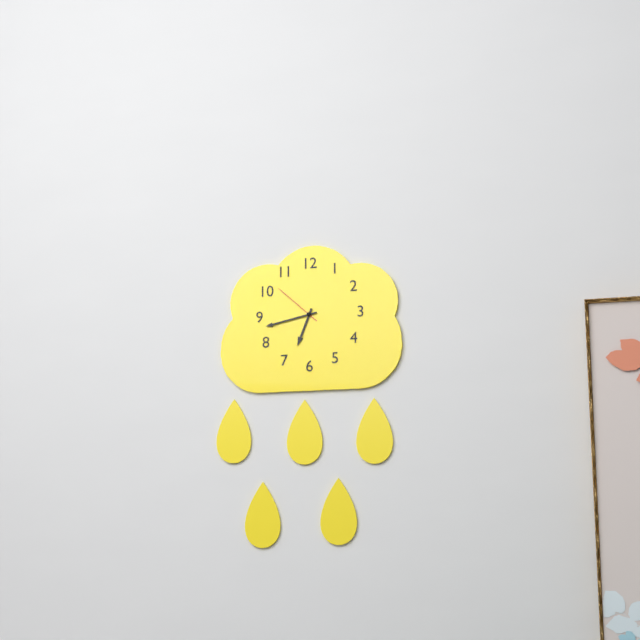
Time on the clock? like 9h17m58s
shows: 6h43m52s
